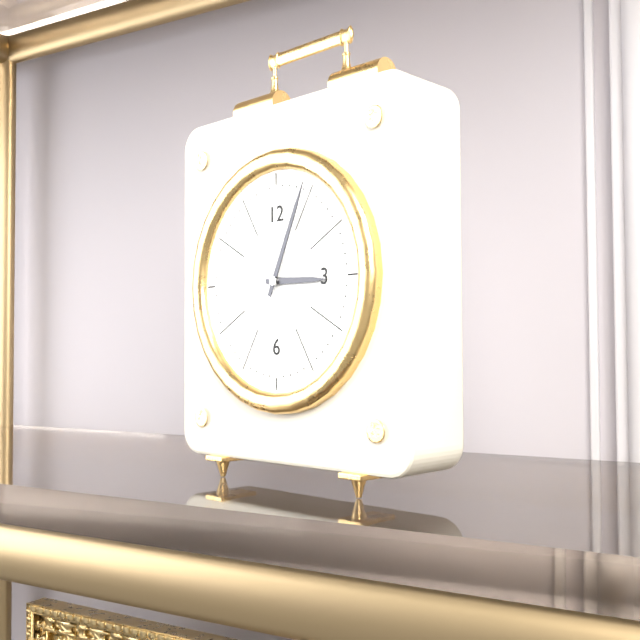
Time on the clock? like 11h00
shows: 3h04
